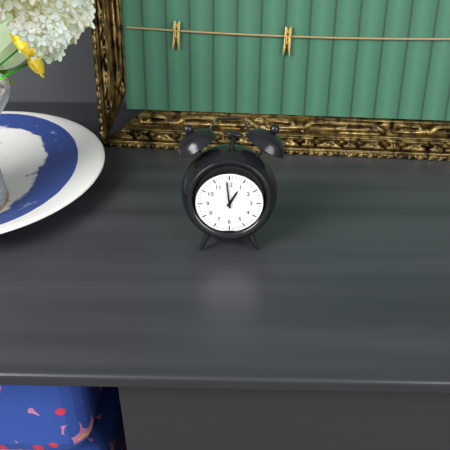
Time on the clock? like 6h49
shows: 12h59
